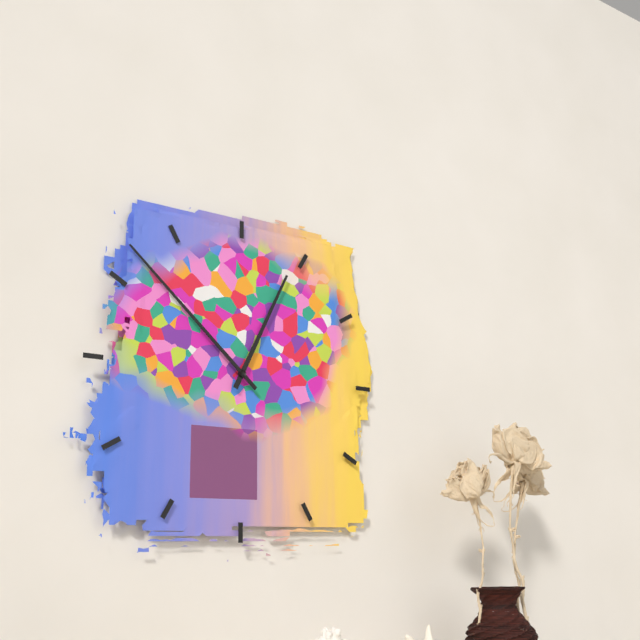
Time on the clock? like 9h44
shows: 12h52
